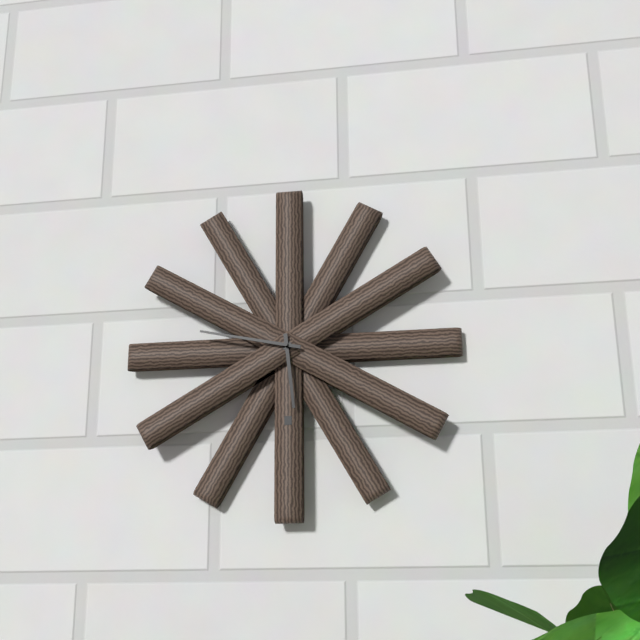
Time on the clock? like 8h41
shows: 5h47
